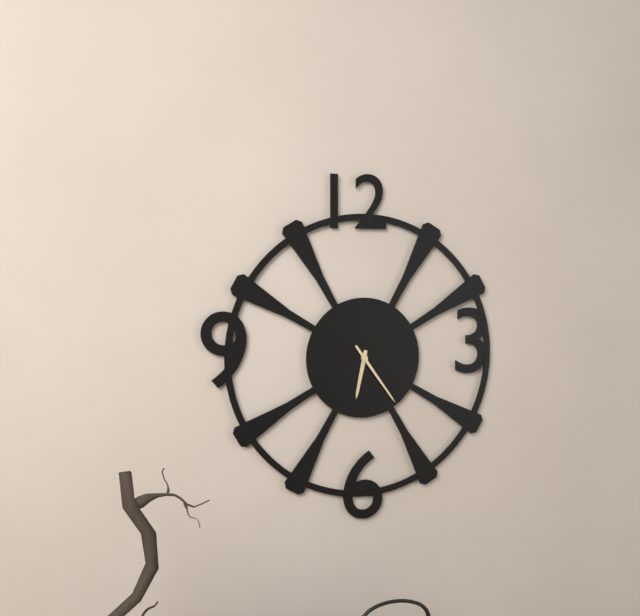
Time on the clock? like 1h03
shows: 6h24
